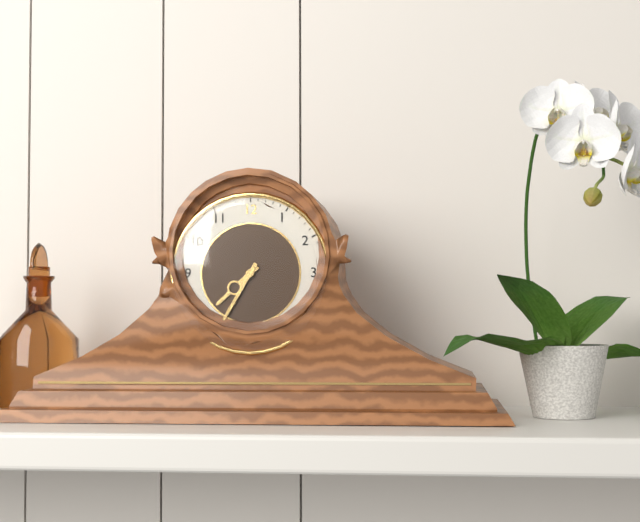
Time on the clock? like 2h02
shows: 7h35
